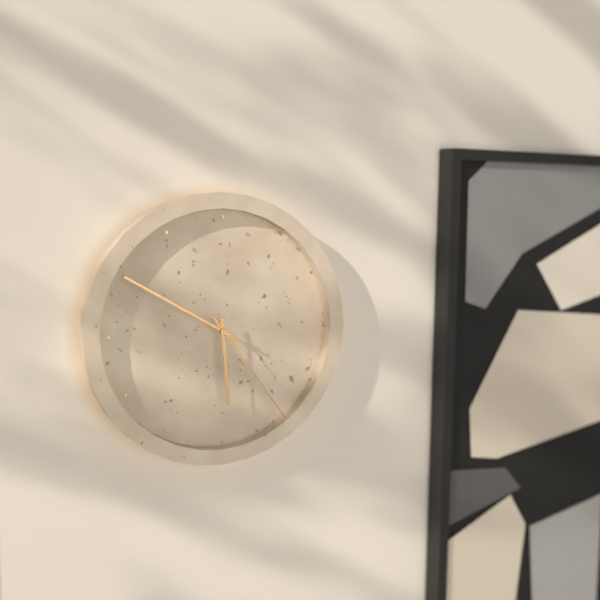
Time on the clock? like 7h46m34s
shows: 5h50m24s
